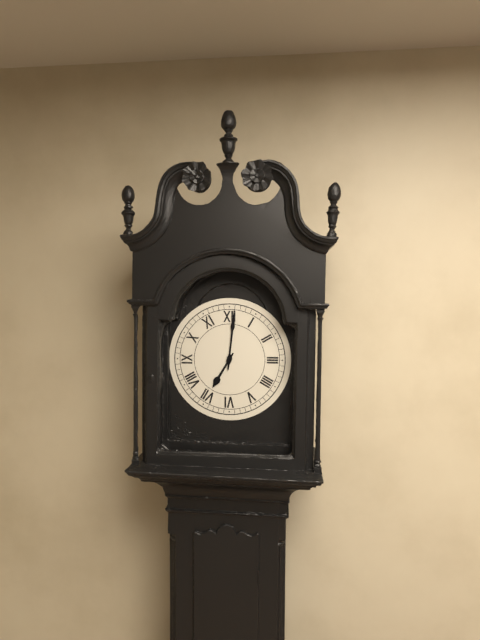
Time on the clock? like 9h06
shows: 7h01
